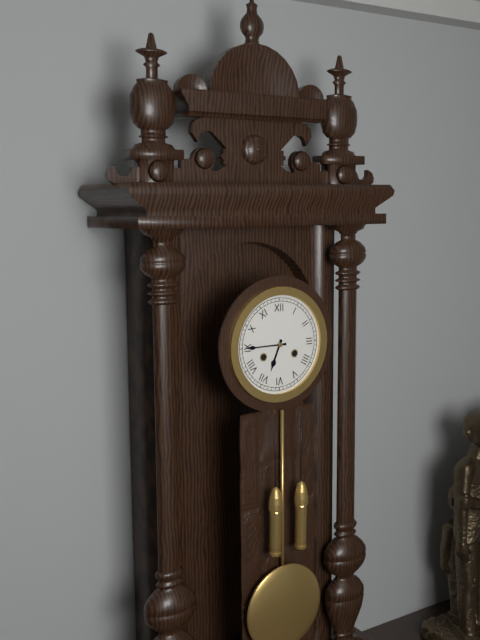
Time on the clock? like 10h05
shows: 6h45
